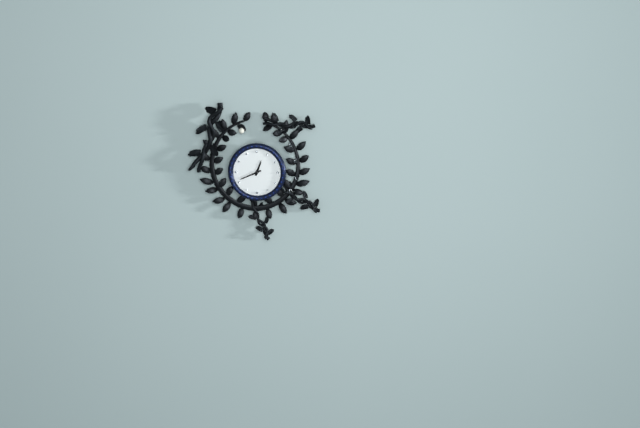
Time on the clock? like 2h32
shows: 12h41
